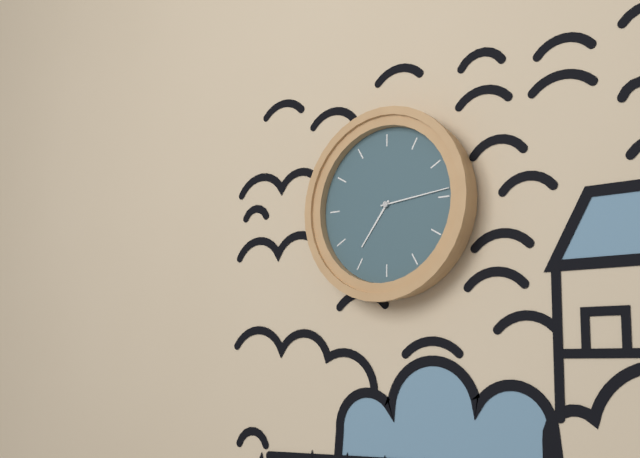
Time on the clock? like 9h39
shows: 7h14
